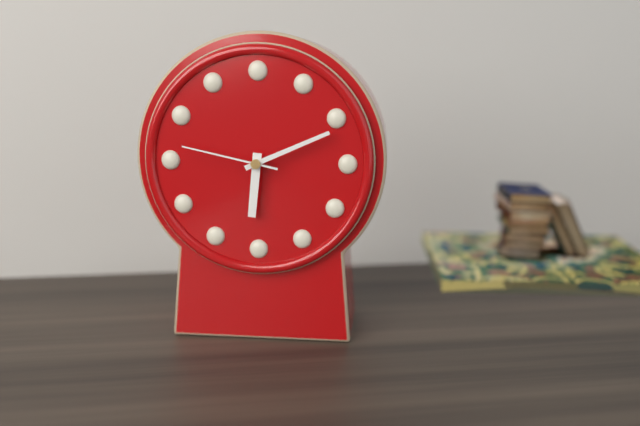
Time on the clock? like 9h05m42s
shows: 6h11m47s
